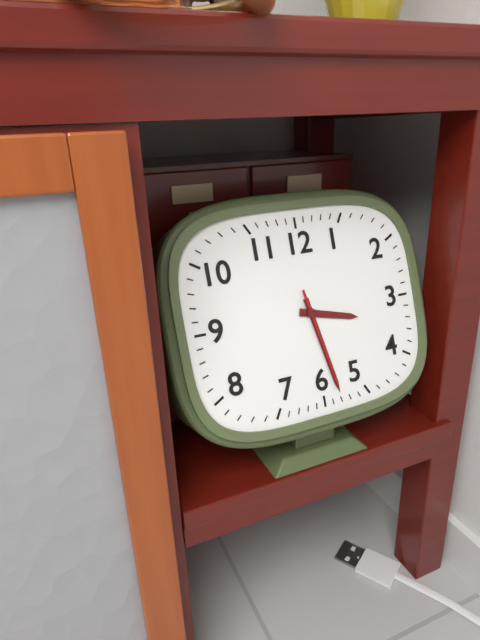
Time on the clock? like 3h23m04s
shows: 3h28m28s
